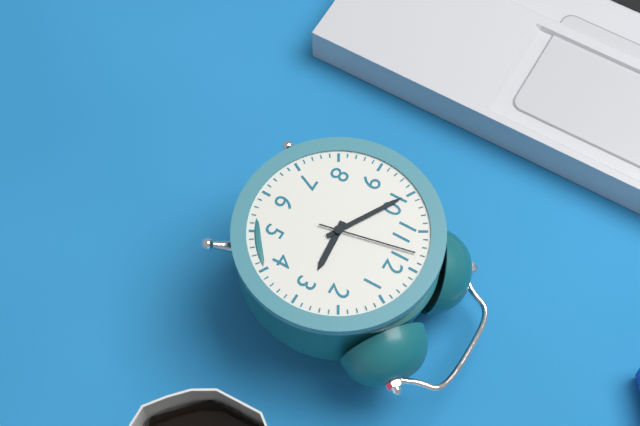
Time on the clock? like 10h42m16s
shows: 2h50m58s
